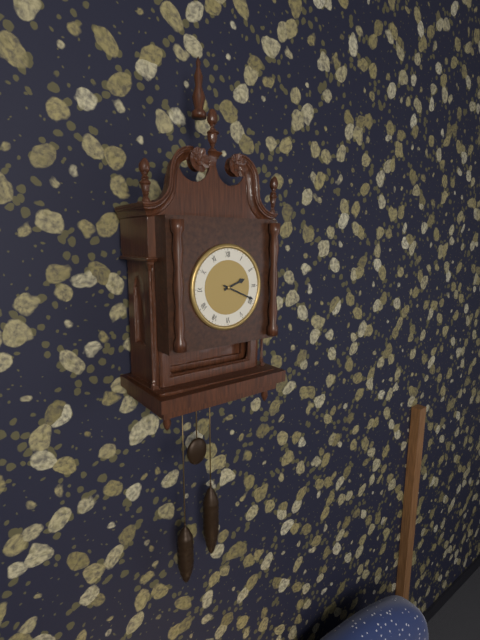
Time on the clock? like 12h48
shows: 2h19
